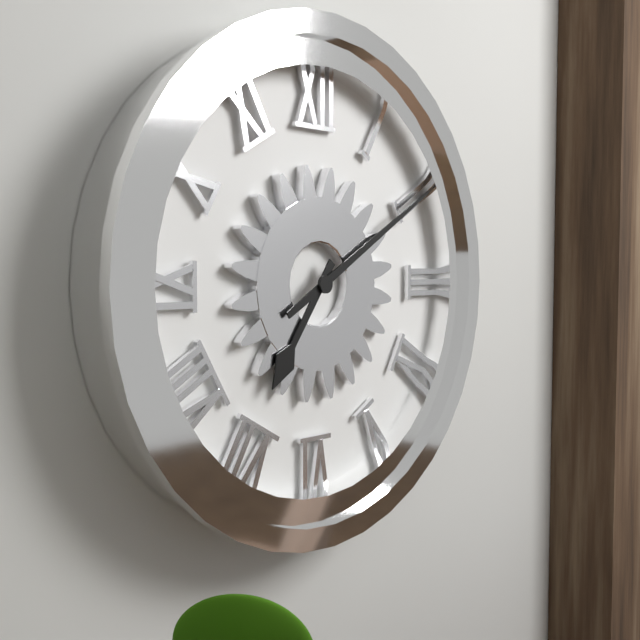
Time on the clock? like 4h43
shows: 7h10
